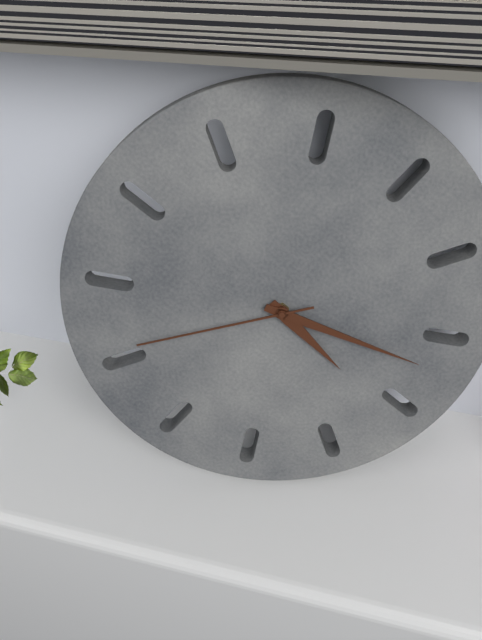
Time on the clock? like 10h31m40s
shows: 3h12m36s
